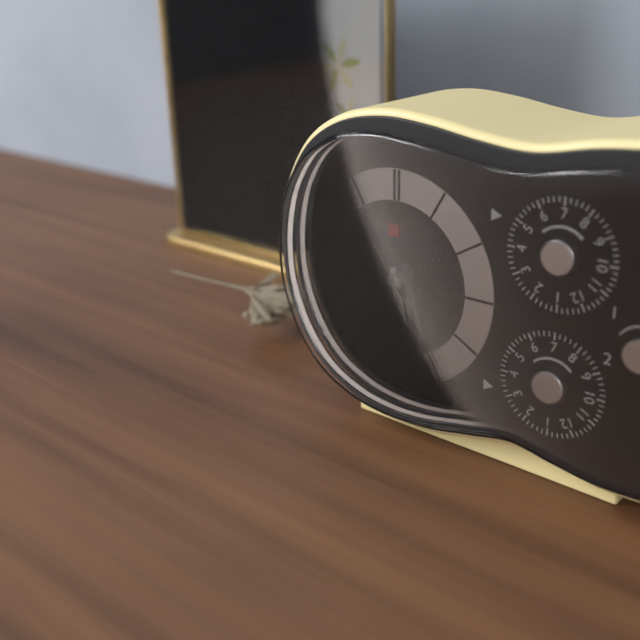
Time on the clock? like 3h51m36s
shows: 5h29m24s
